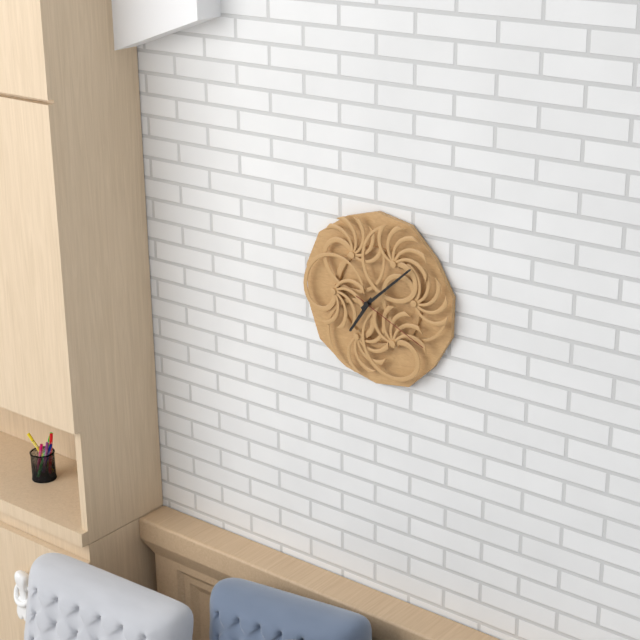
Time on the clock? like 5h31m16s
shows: 7h08m19s
